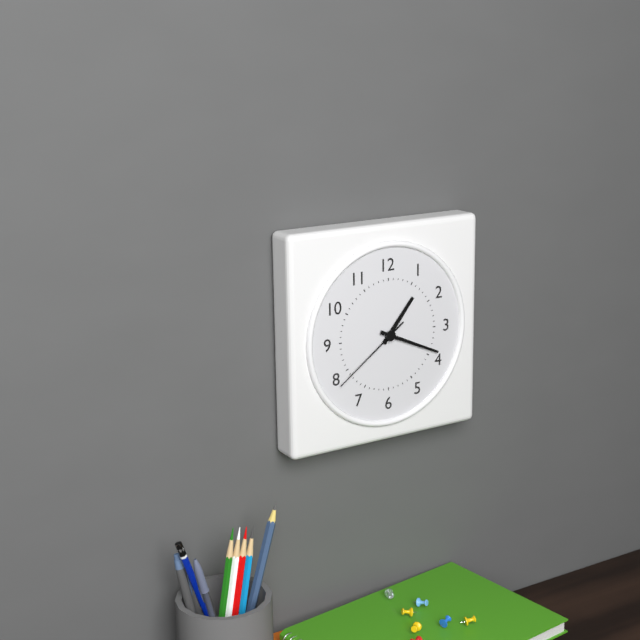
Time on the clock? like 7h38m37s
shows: 1h19m39s
